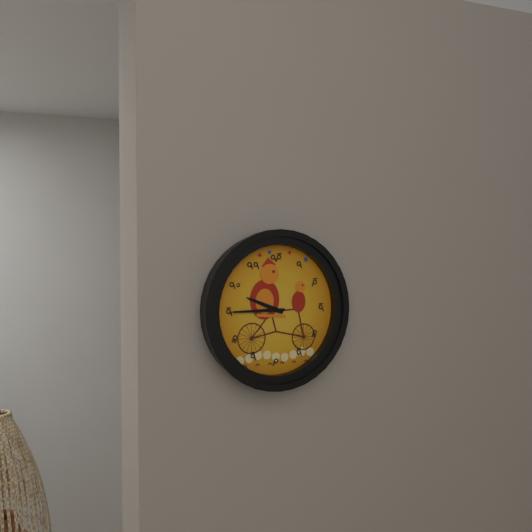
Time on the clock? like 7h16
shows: 9h45
